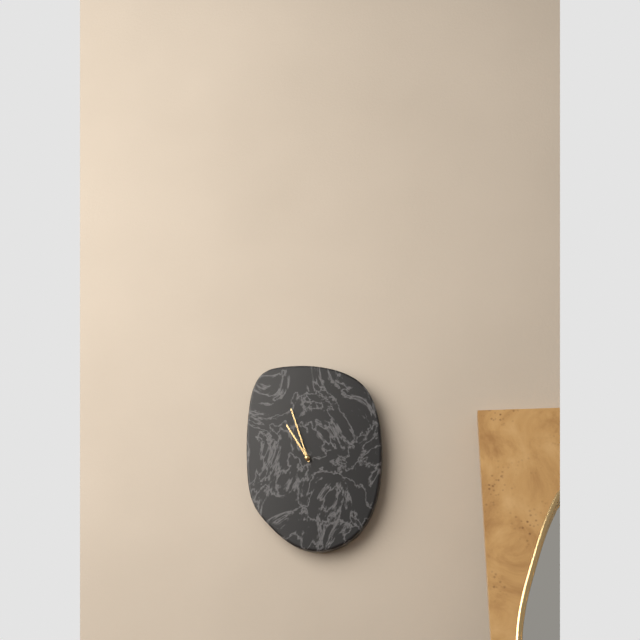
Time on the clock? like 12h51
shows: 10h57
